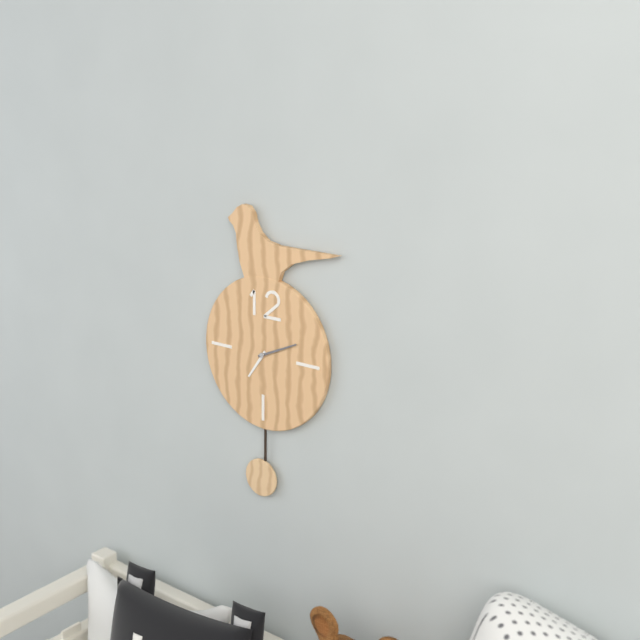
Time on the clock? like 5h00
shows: 7h11
